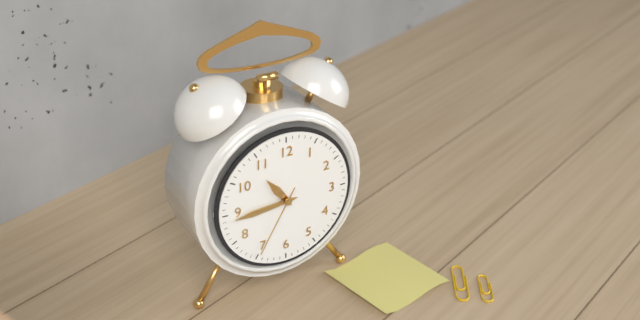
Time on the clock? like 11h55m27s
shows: 10h44m35s
